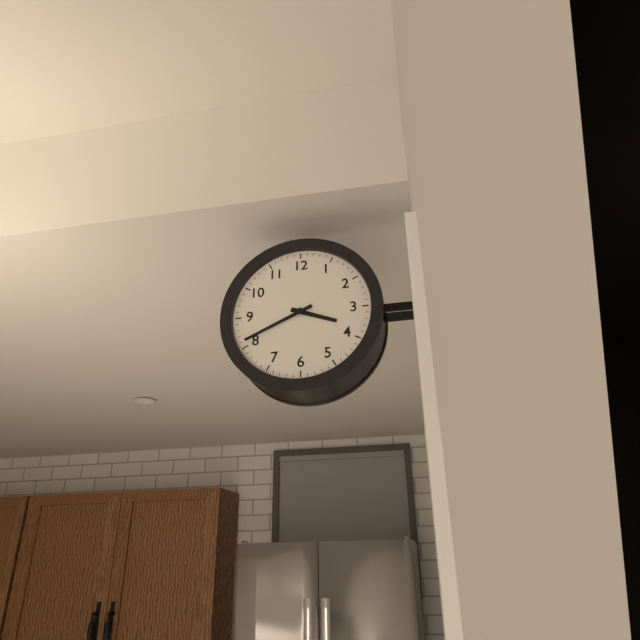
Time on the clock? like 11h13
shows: 3h41
